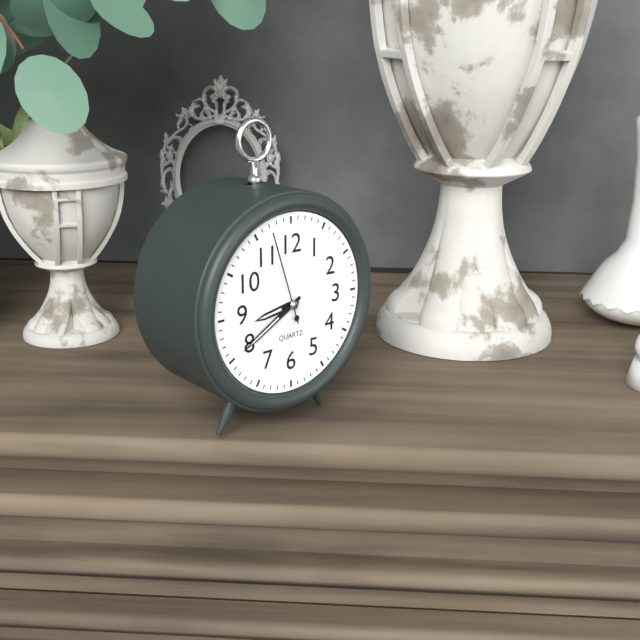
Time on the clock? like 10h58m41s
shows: 8h40m57s
